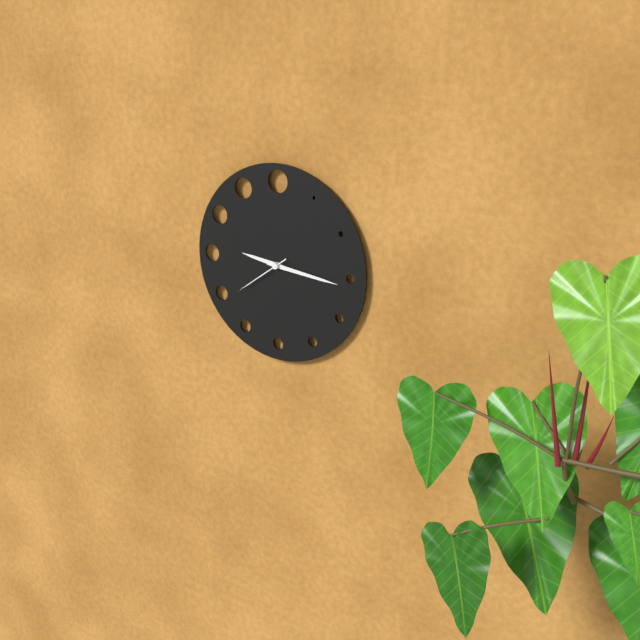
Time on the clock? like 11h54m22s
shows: 9h16m39s
